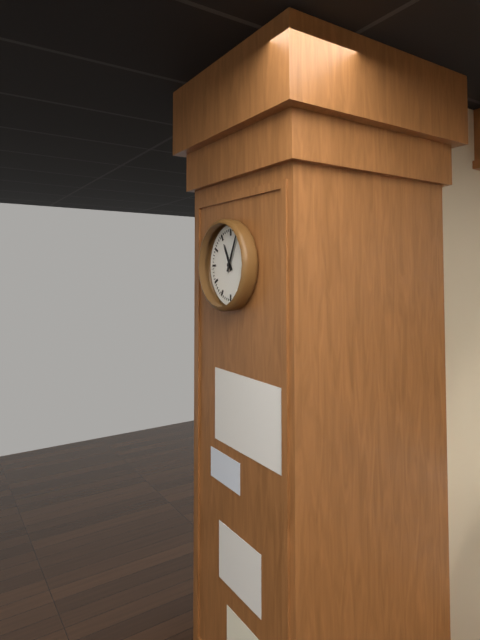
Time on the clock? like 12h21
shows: 11h04
